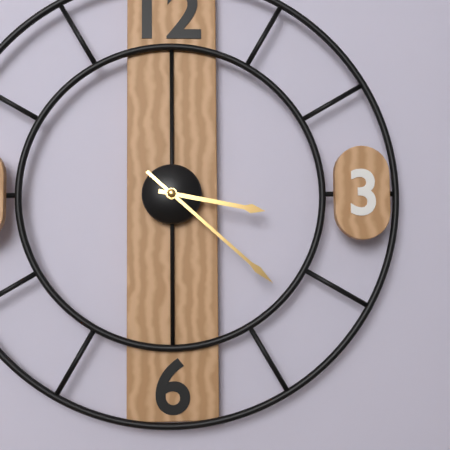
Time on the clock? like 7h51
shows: 3h22
